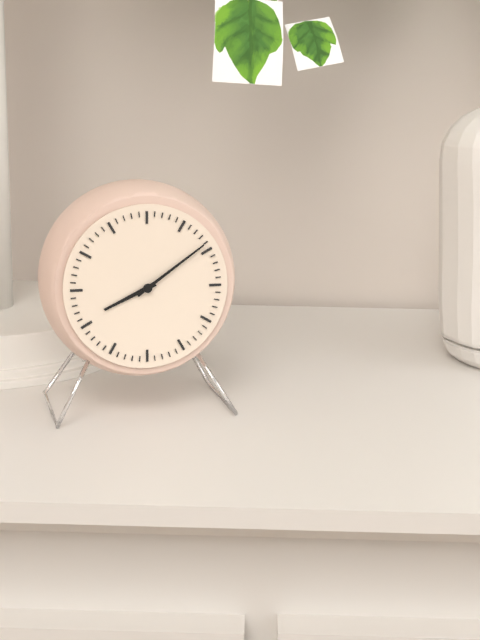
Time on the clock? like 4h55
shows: 8h09
